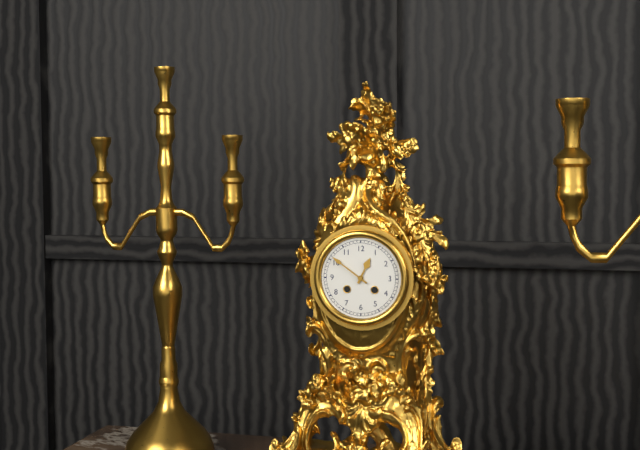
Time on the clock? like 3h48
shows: 12h51
